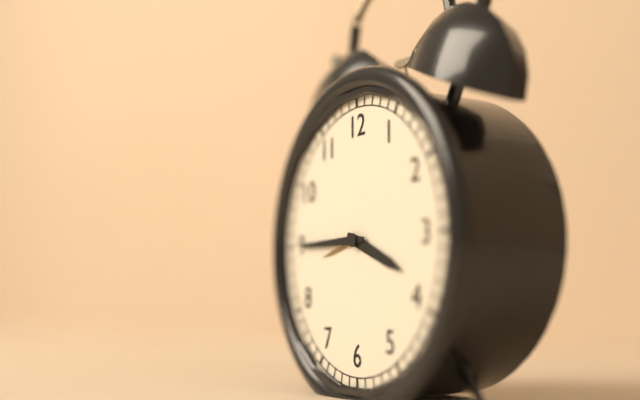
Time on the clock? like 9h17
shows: 3h45
